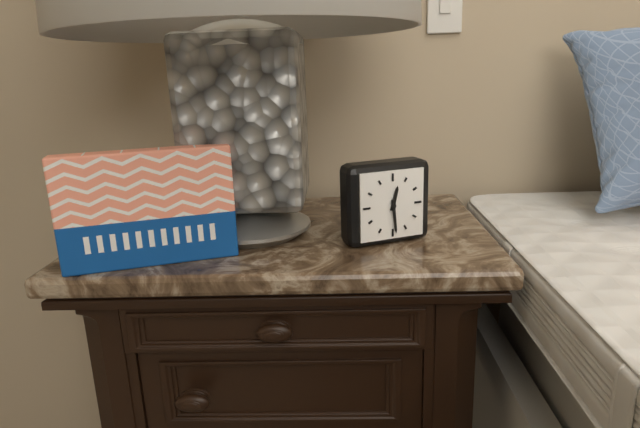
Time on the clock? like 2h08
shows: 12h29
